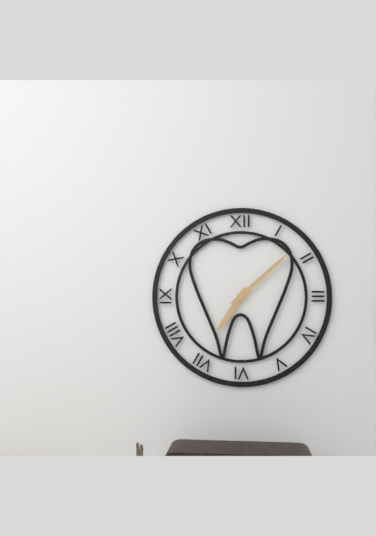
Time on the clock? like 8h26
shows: 7h08
